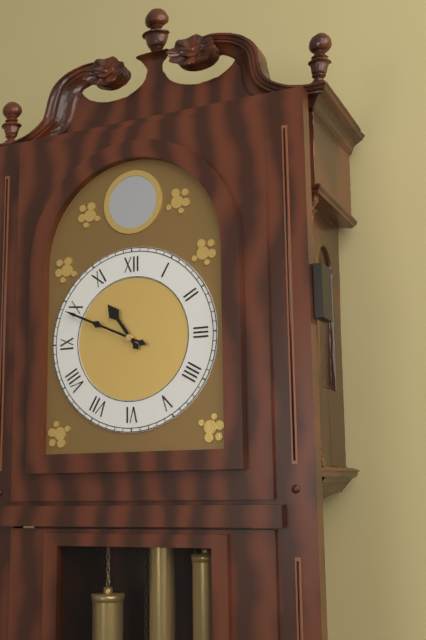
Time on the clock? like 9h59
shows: 10h49
